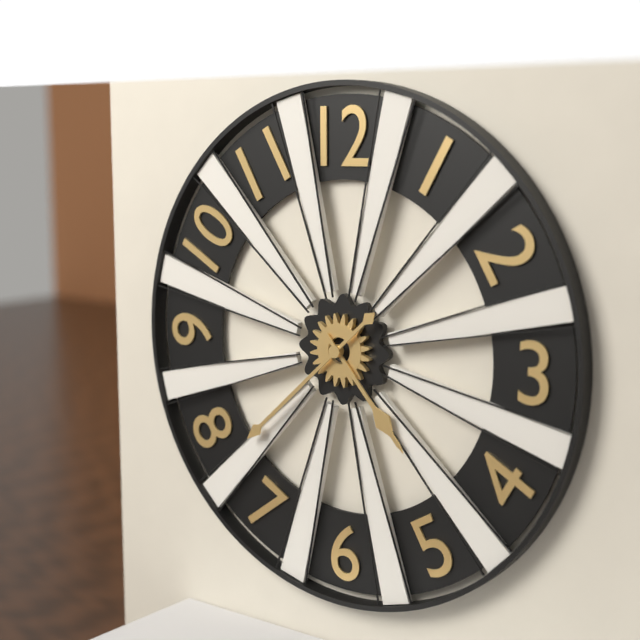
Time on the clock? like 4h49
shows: 4h38
